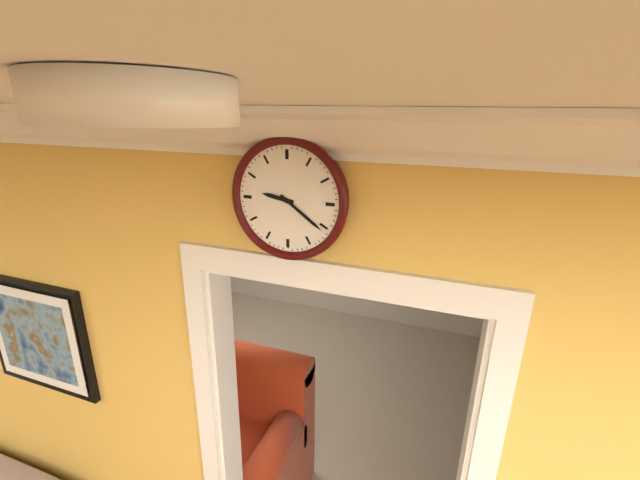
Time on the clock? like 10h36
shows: 9h21
